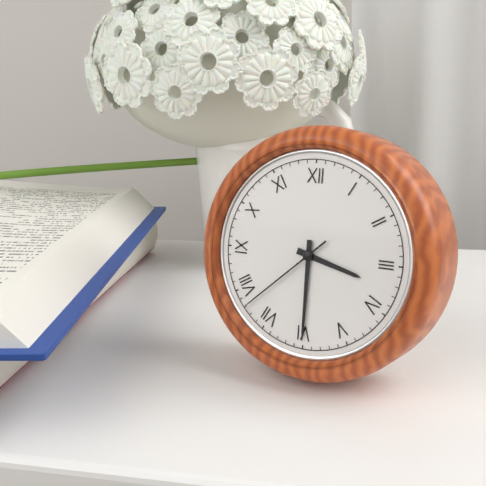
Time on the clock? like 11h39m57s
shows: 3h30m38s
